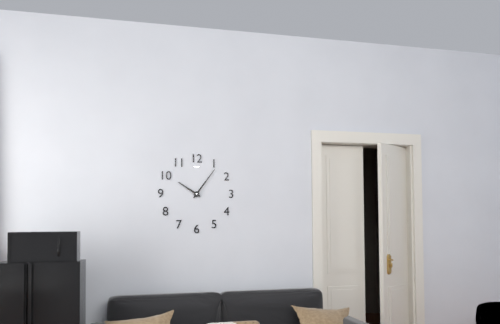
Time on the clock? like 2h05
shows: 10h06
